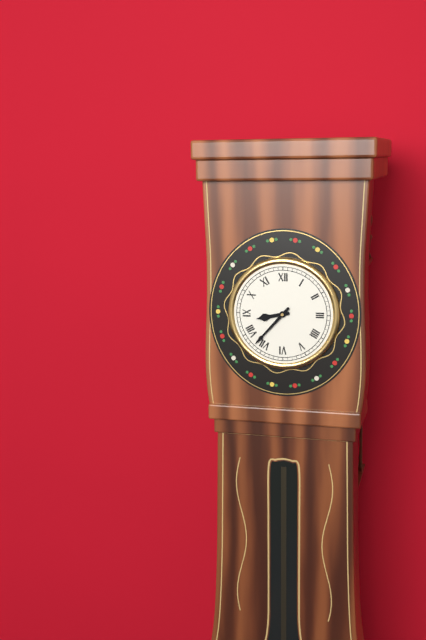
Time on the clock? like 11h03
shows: 8h37
